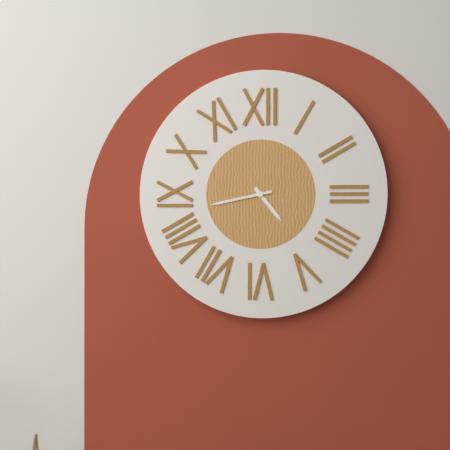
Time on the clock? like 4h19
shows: 4h43
